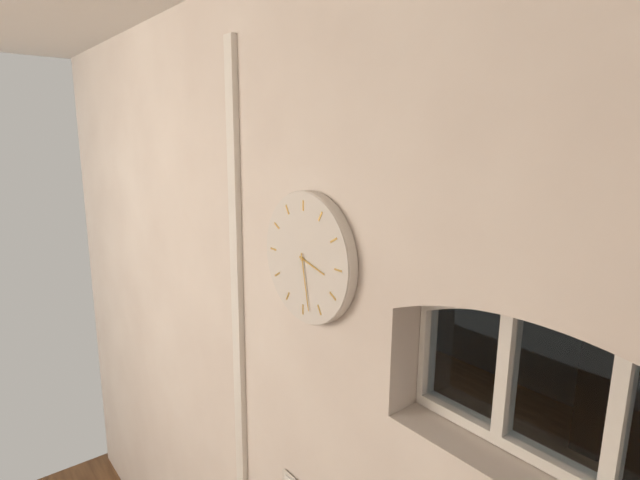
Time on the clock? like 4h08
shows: 3h28
